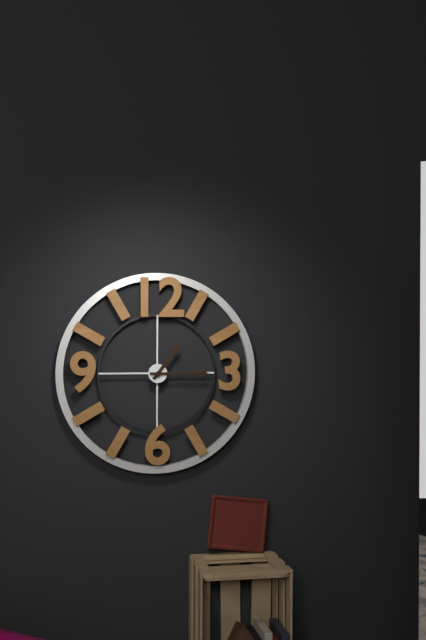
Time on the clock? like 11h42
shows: 1h15
